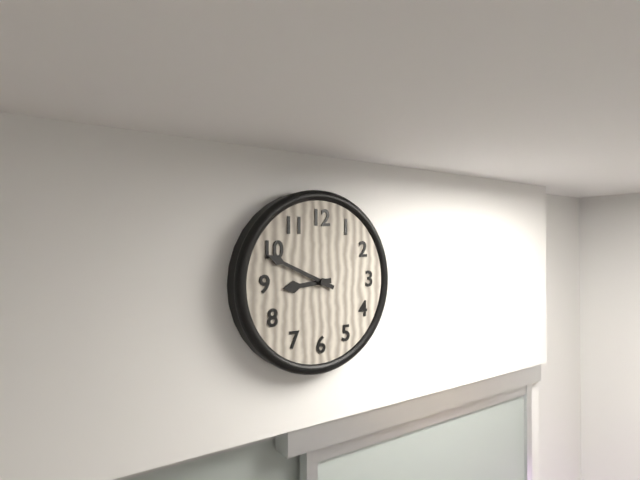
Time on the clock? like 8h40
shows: 8h49
